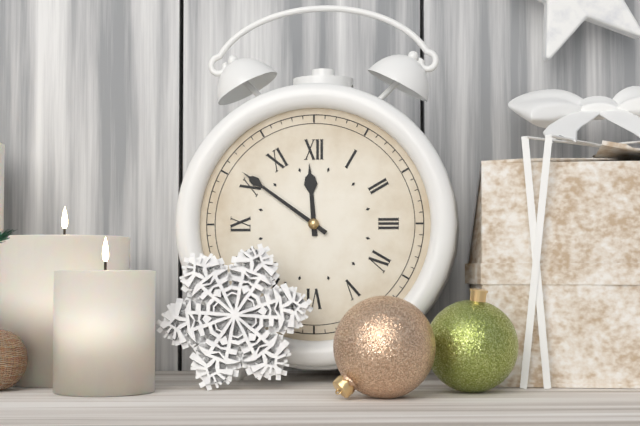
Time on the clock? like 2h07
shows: 11h51
